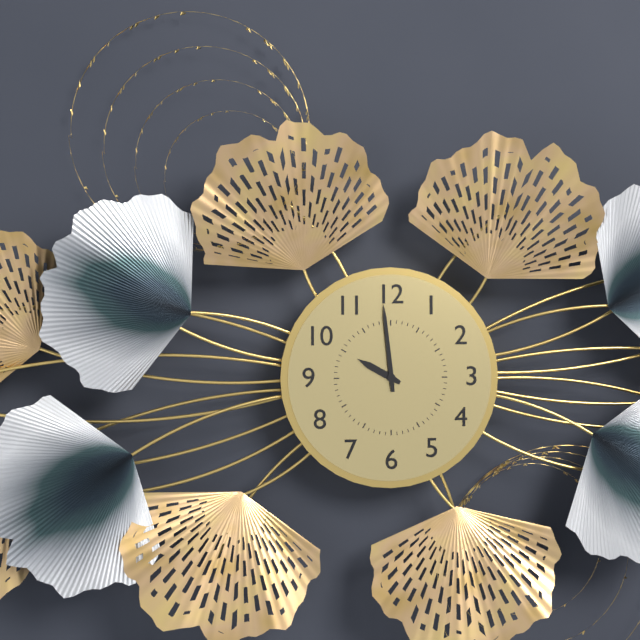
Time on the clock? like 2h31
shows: 9h59
